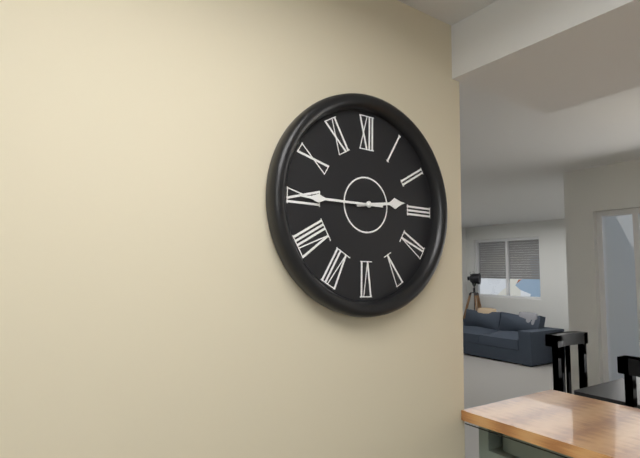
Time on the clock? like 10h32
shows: 2h45
